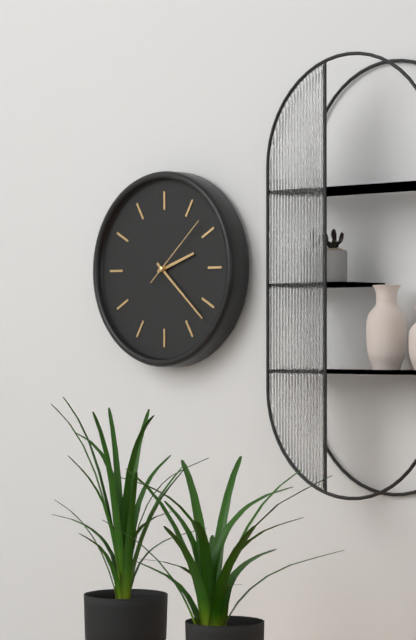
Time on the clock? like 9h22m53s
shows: 2h22m08s
